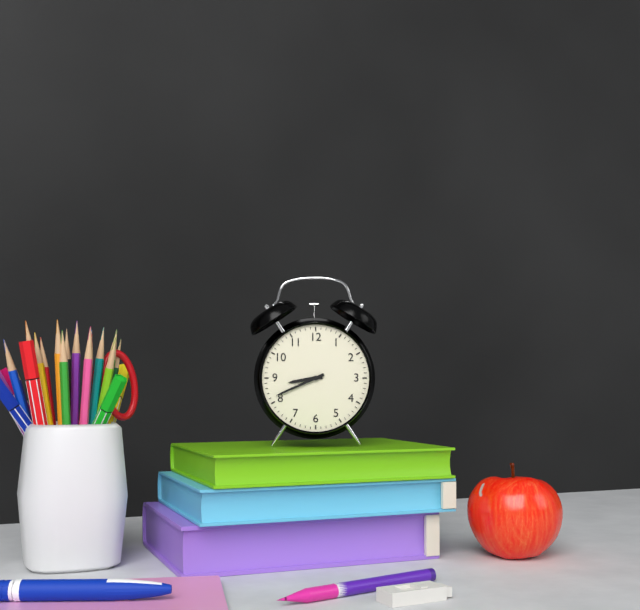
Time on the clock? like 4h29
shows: 8h41
